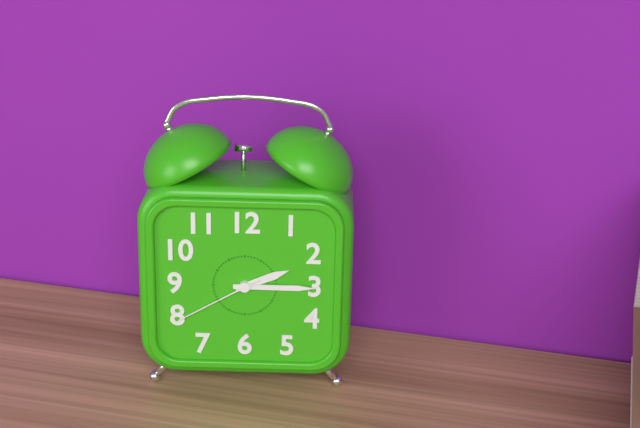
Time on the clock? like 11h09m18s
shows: 2h15m40s
